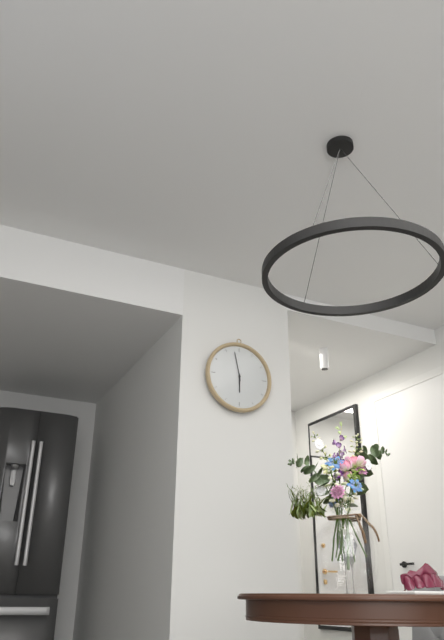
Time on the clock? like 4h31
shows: 5h58
